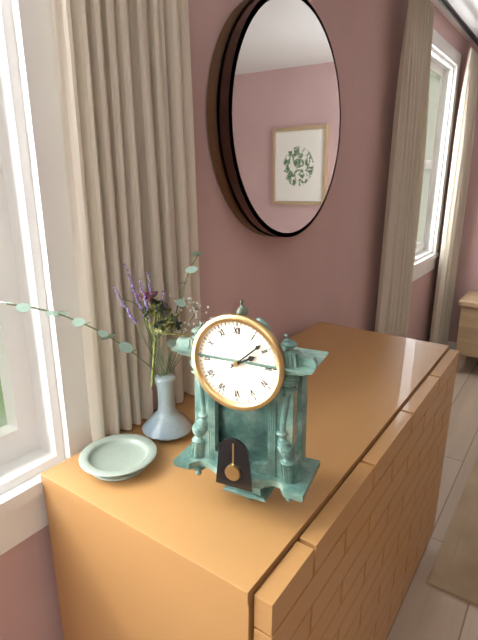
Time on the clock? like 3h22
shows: 2h08
